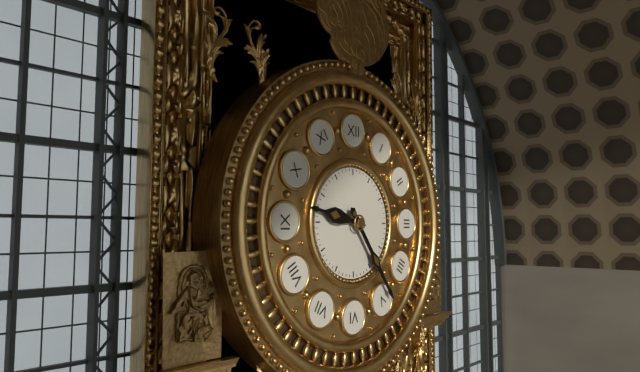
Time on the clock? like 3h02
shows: 9h24
